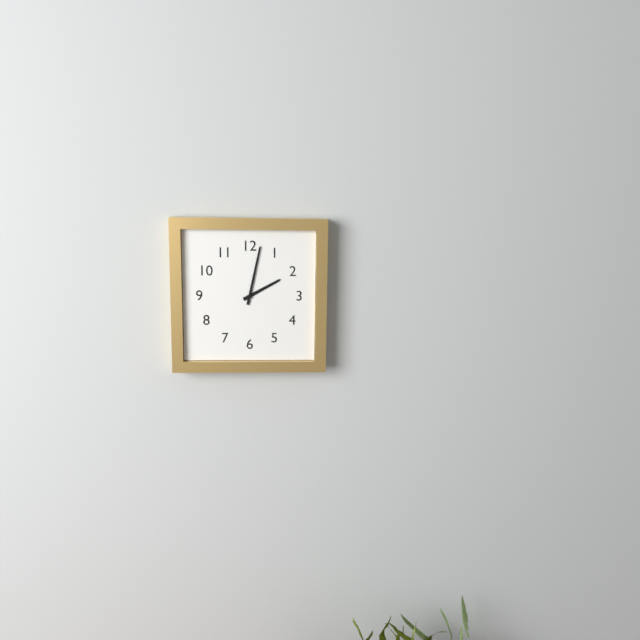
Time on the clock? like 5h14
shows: 2h02
